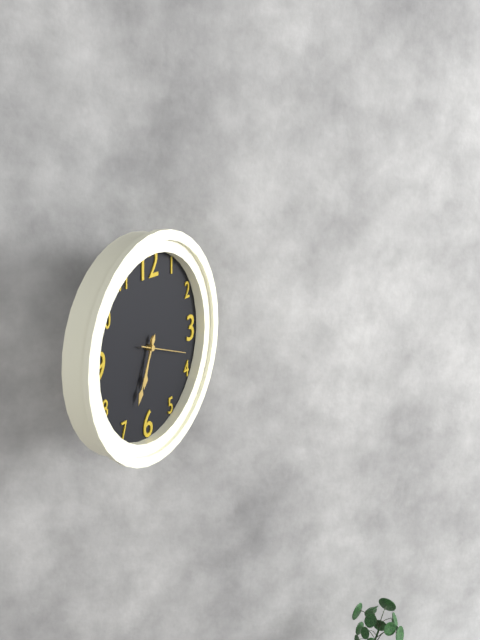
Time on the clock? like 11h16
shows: 6h34
